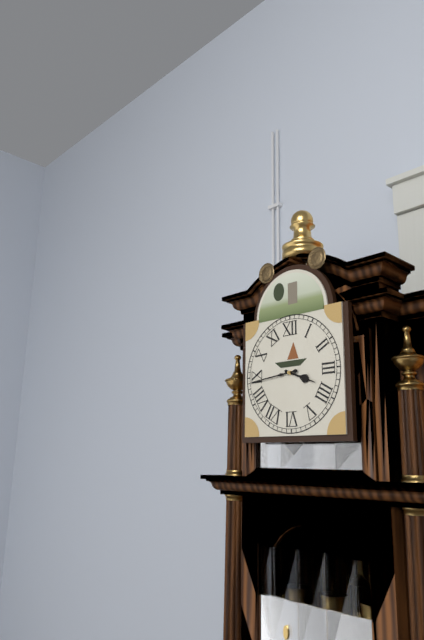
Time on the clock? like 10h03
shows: 3h44
